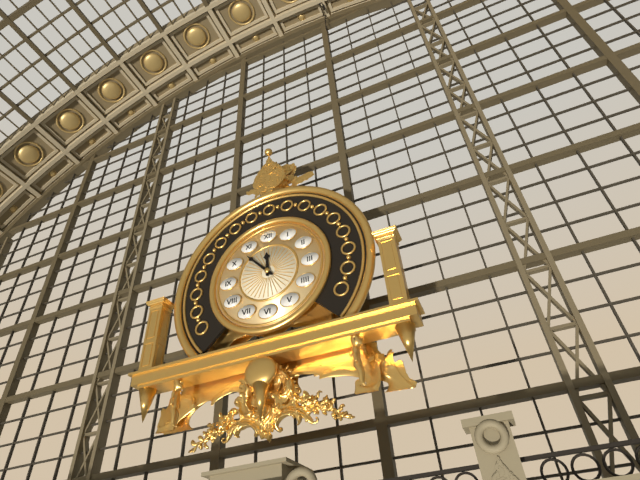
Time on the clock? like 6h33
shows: 11h53
